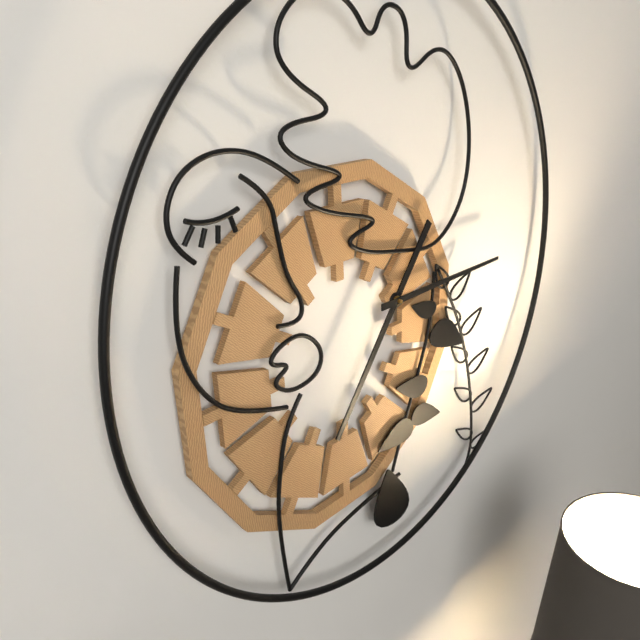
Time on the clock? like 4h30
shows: 7h15
